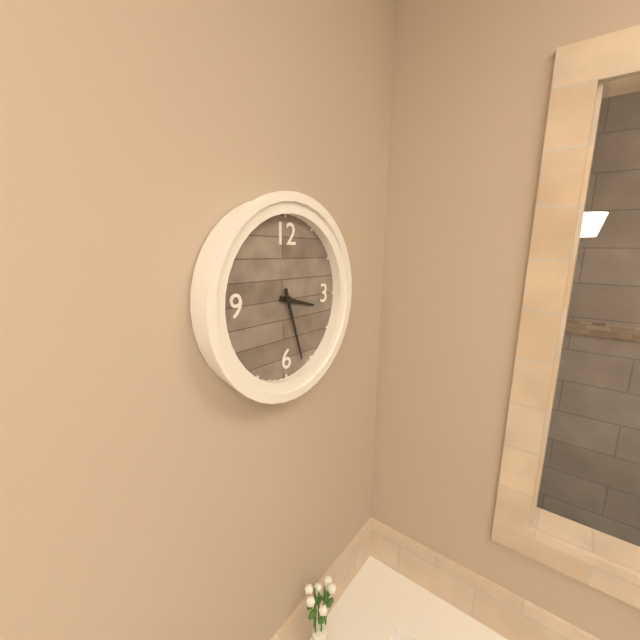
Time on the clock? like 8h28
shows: 3h27
